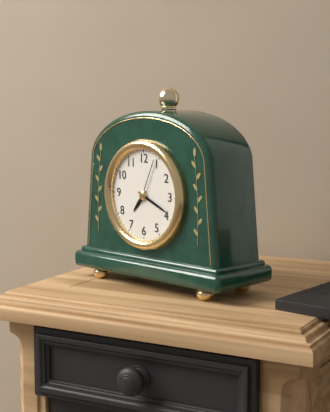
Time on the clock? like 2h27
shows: 7h19
